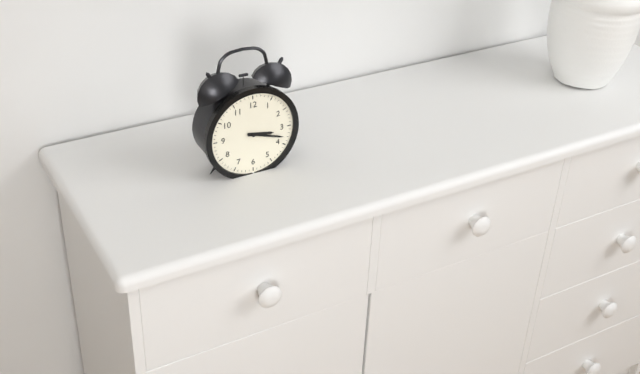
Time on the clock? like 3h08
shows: 3h18
